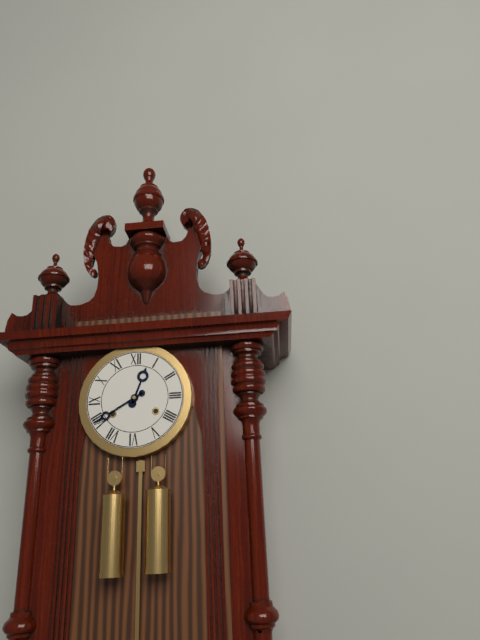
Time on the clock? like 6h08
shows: 12h40
